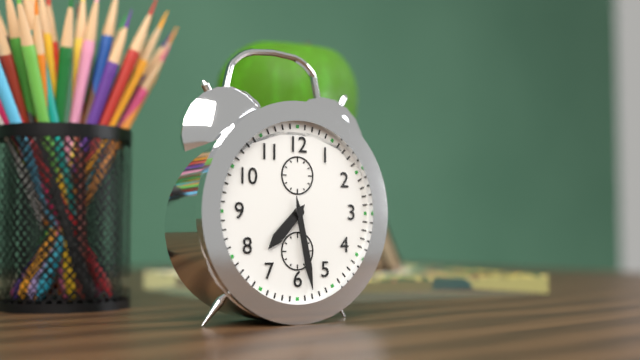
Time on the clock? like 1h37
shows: 7h28
